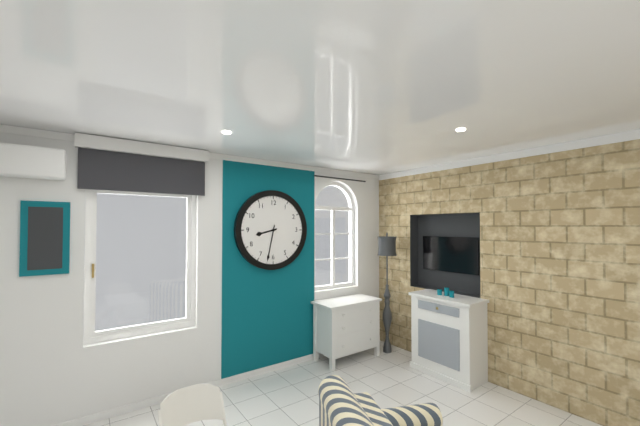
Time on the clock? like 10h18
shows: 8h32
